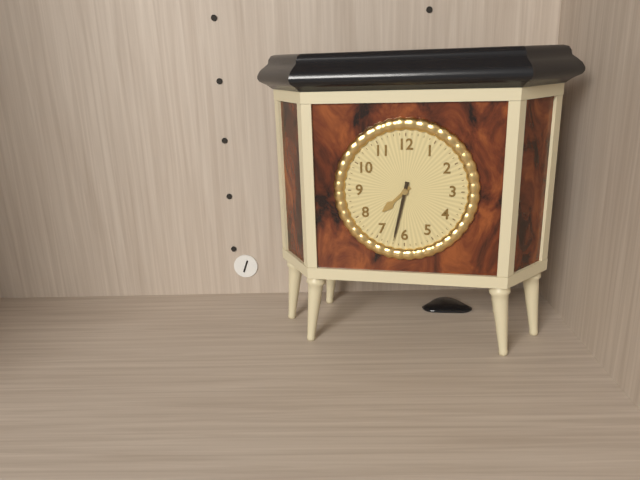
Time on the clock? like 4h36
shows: 7h32
